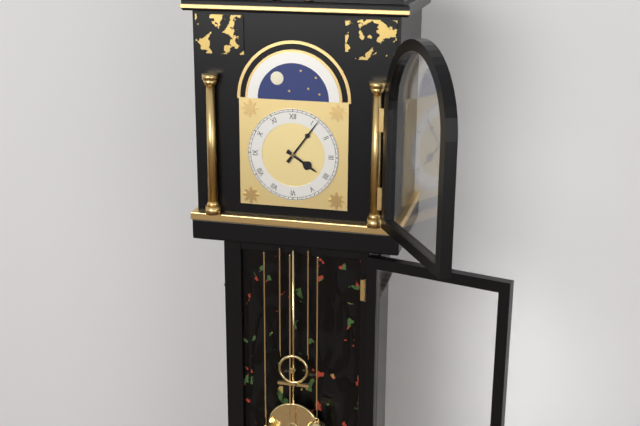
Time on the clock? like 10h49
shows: 4h06
